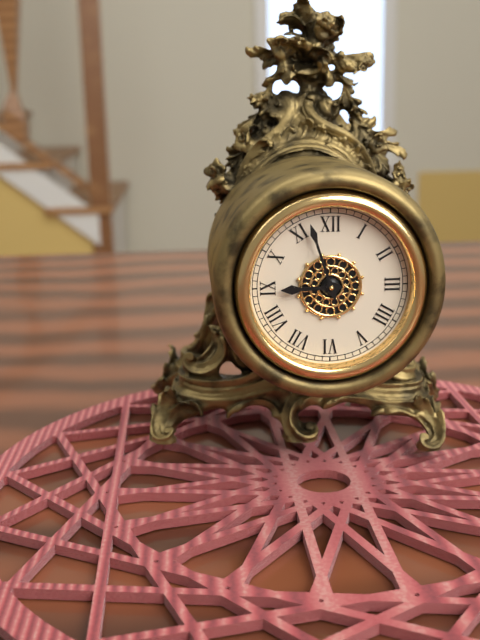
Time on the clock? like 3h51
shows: 8h57
